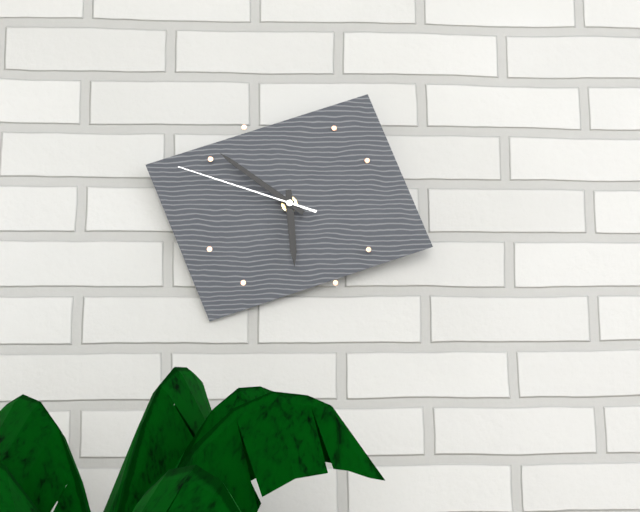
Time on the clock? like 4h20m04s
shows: 5h51m48s
